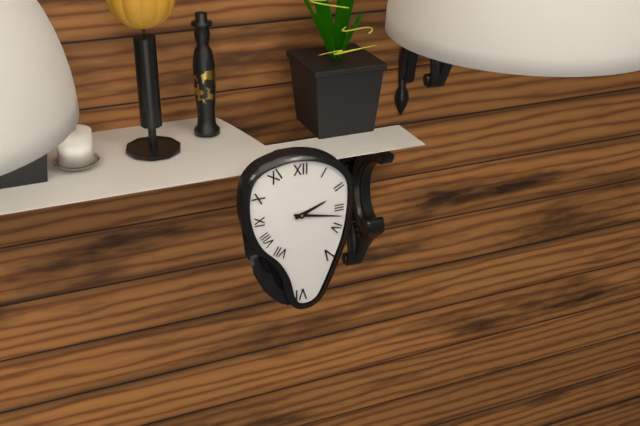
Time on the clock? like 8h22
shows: 2h17
